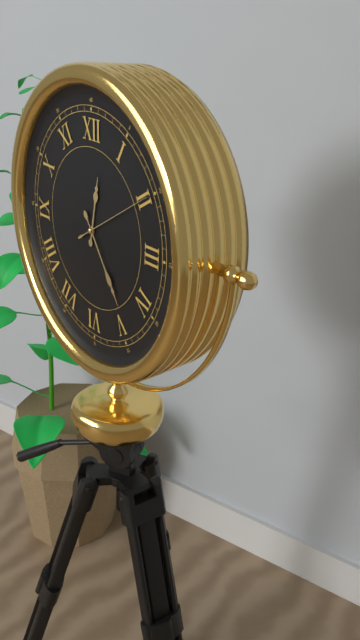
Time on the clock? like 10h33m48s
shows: 12h24m10s
